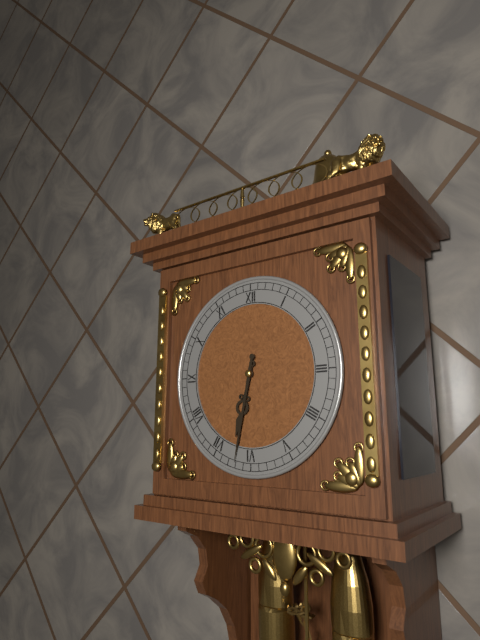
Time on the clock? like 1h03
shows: 6h32
